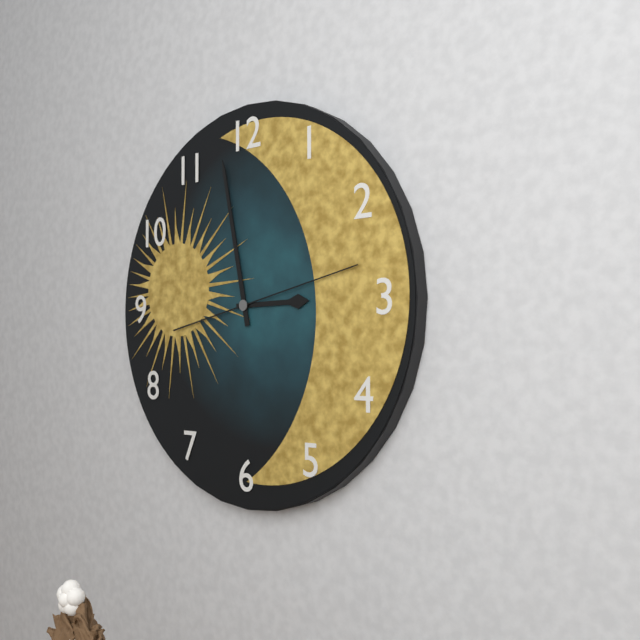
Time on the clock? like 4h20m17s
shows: 2h58m13s
